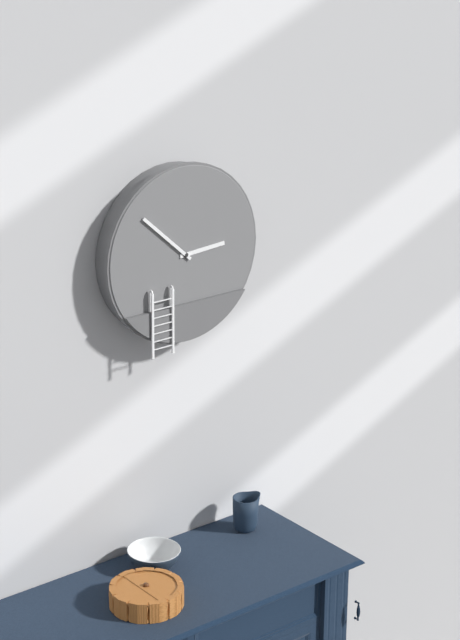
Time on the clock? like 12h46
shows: 2h52
